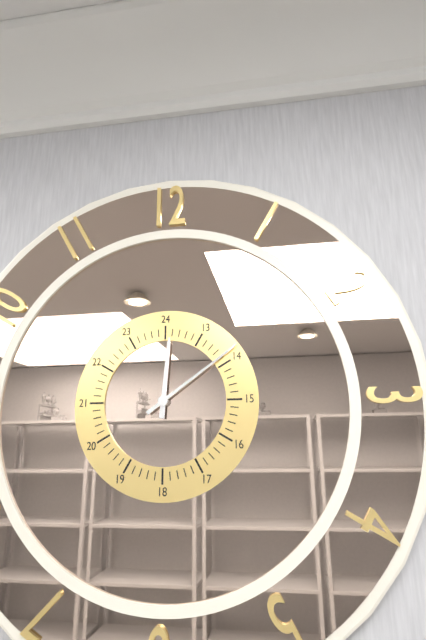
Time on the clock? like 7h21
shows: 12h09
